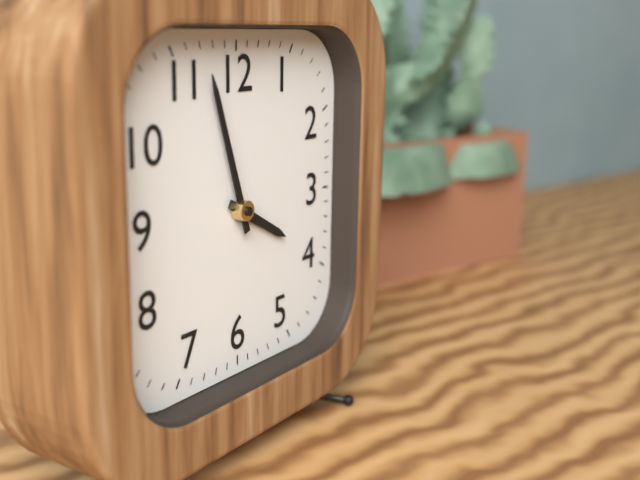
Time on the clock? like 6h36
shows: 3h57
